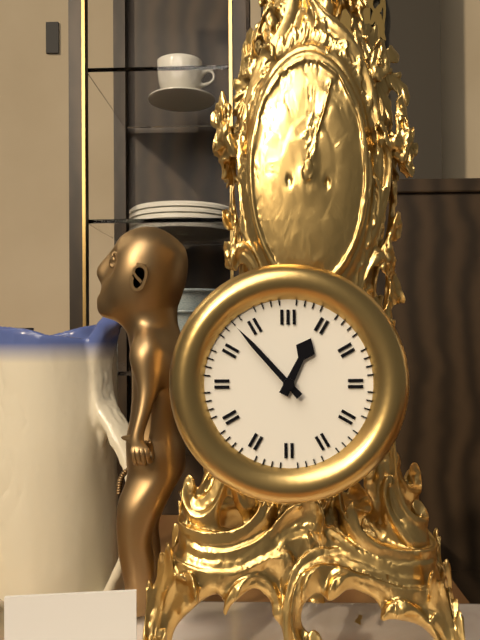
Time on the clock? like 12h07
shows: 12h53
